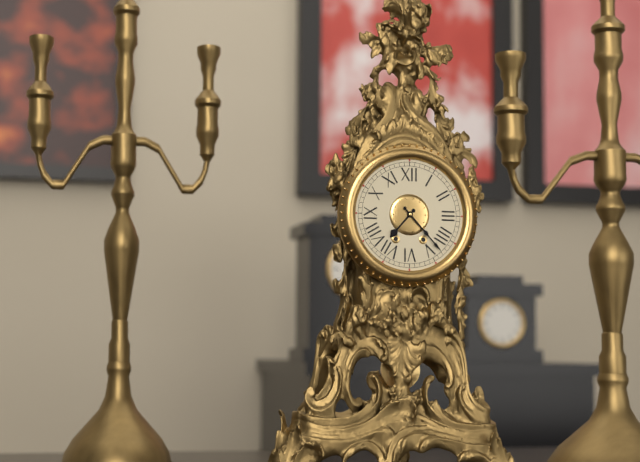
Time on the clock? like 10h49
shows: 7h23
